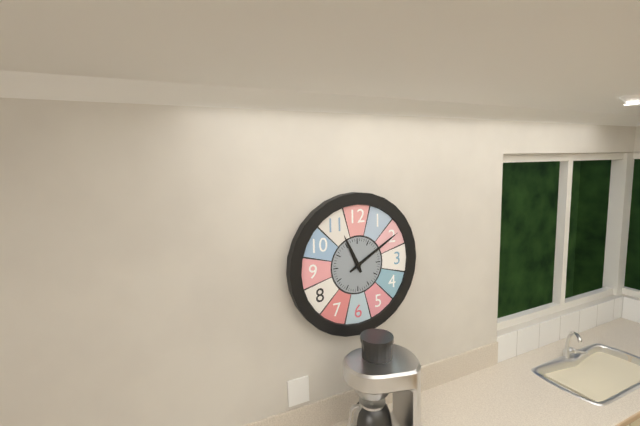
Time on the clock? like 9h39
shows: 11h10
